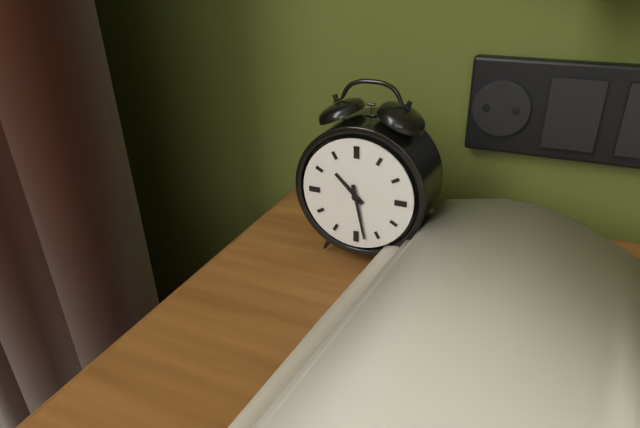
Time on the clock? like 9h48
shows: 10h28
